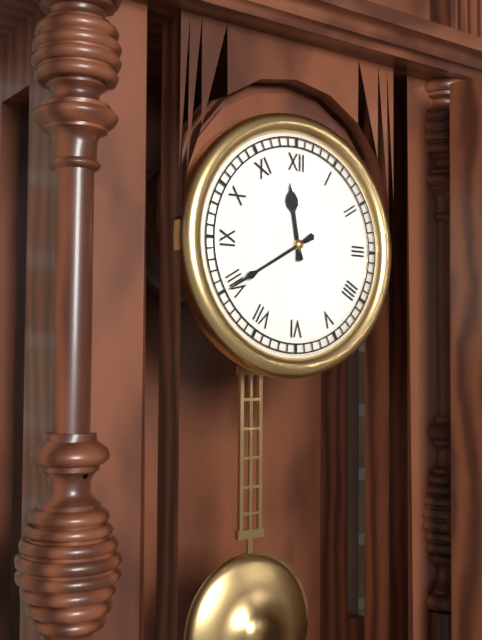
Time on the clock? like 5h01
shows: 11h40
